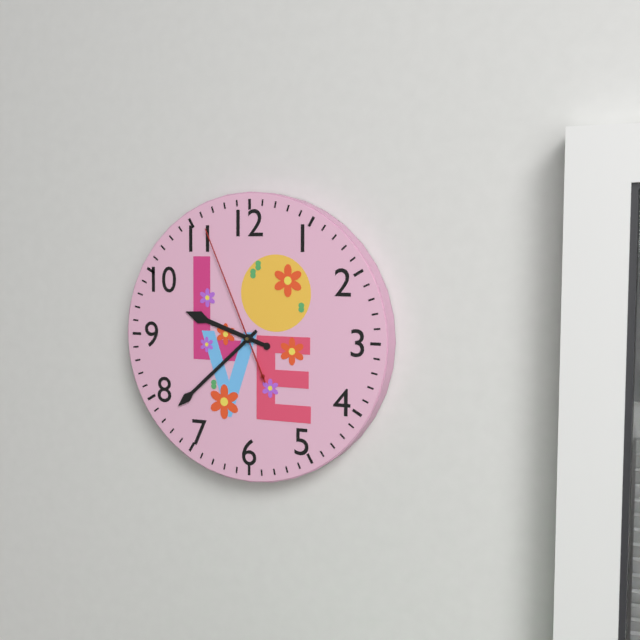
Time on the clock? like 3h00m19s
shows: 9h38m56s
